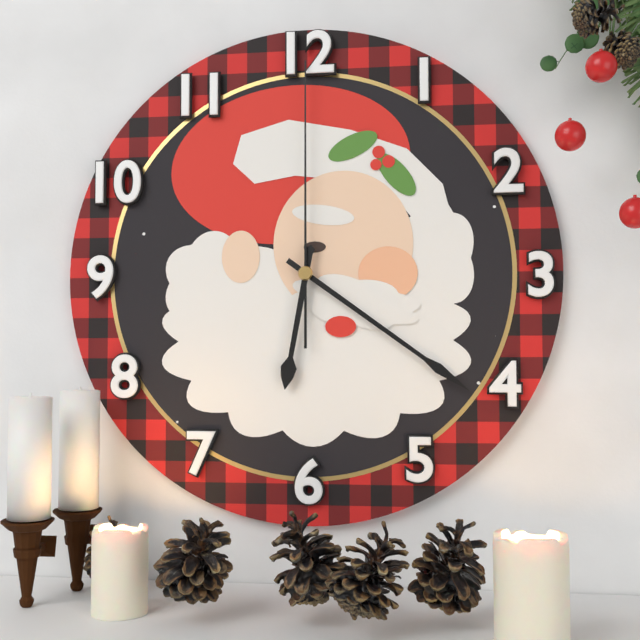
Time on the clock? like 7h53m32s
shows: 6h21m00s
